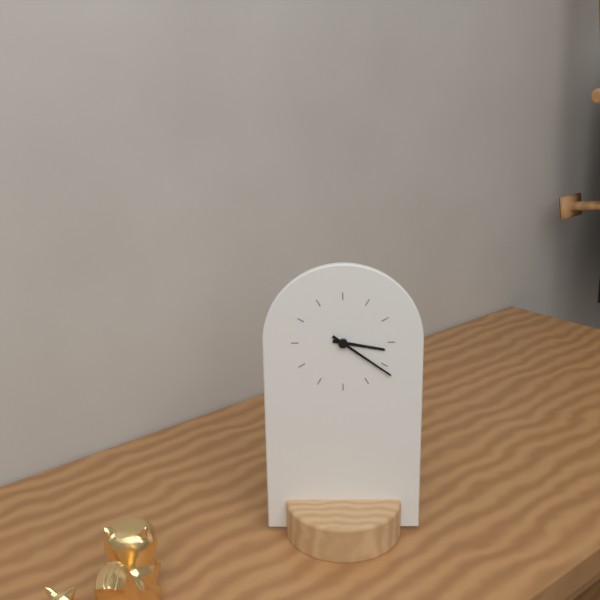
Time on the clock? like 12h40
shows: 3h21
